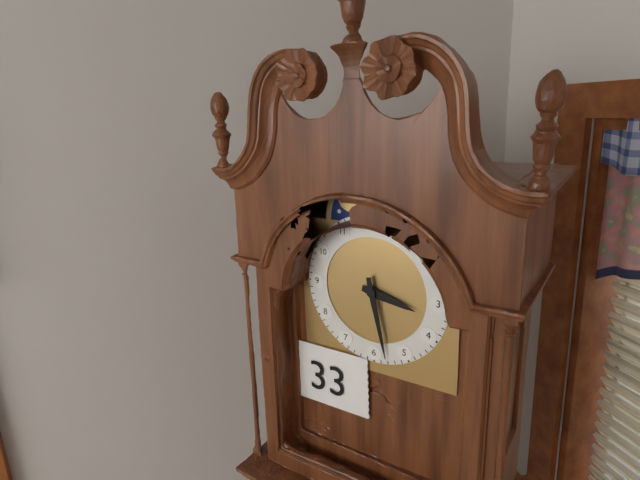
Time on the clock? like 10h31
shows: 3h28
